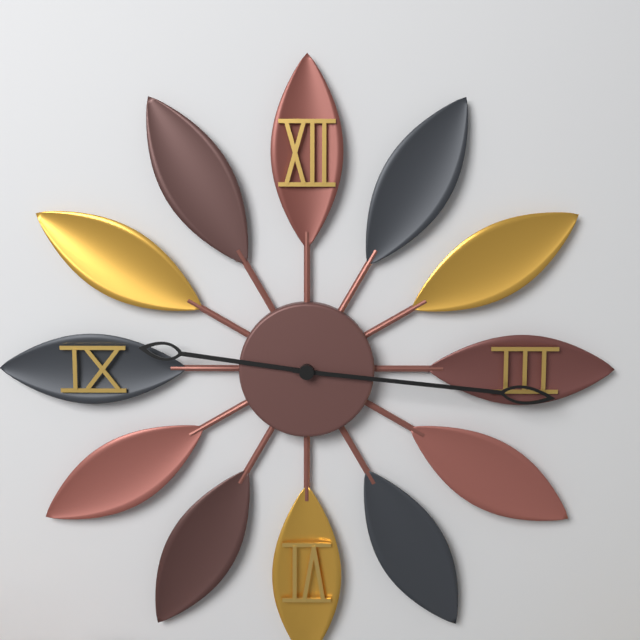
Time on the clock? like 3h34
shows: 9h16
